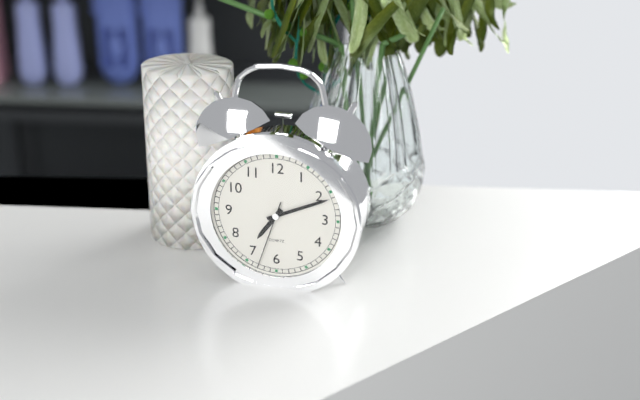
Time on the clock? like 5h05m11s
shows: 7h11m33s
